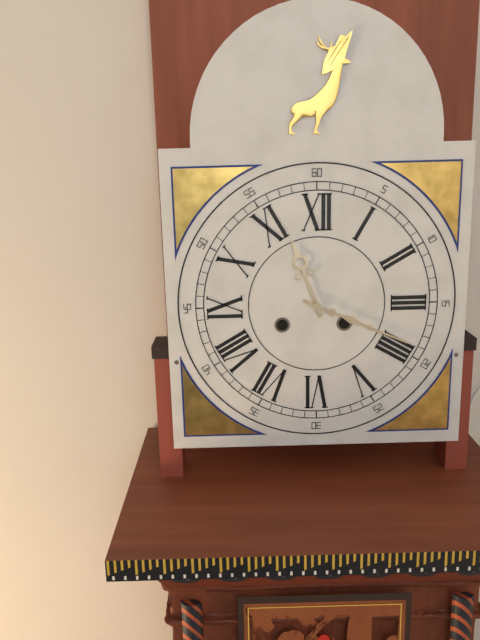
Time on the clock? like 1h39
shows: 11h19
